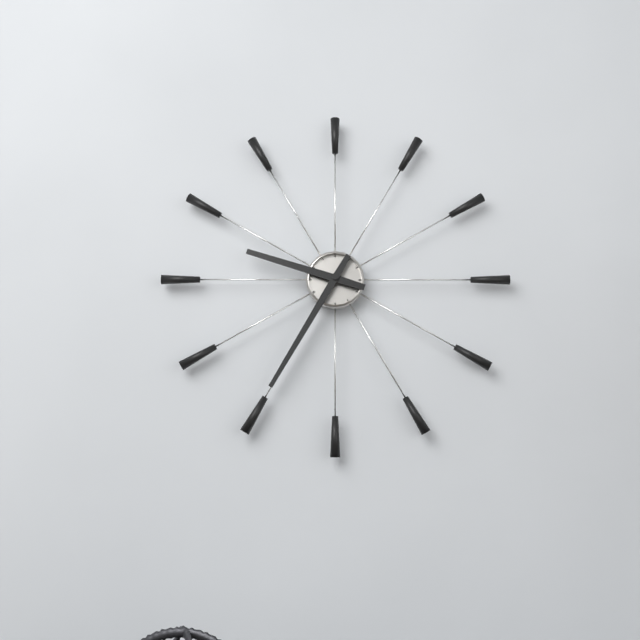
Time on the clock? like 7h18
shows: 9h35
